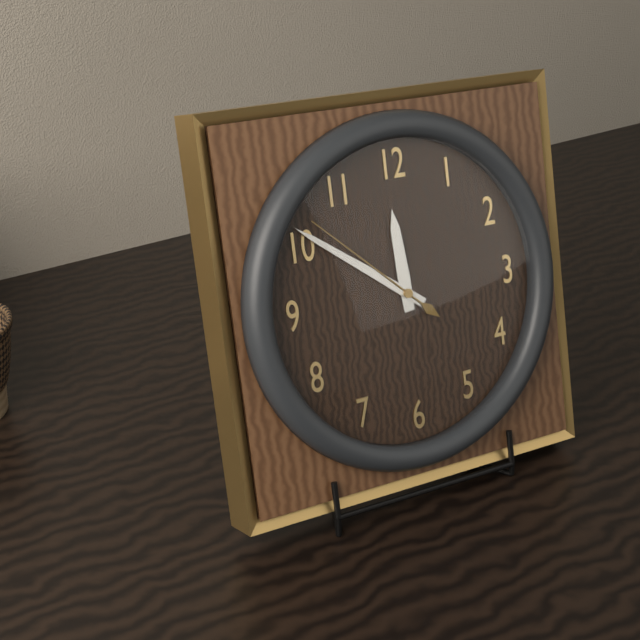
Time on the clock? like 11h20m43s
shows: 11h51m52s
